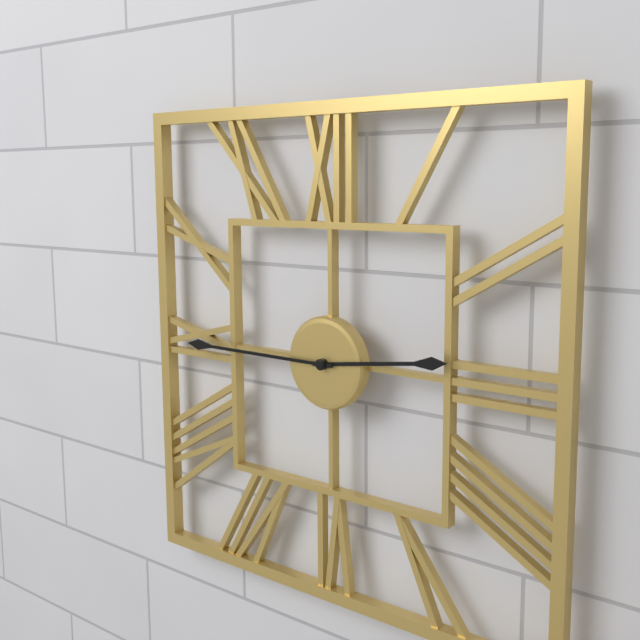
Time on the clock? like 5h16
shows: 2h45
